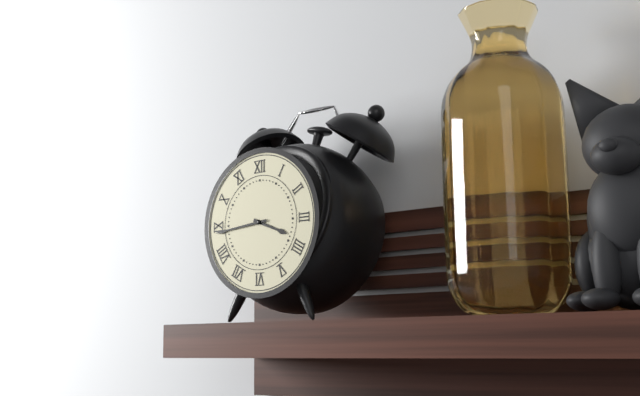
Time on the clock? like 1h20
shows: 3h44
